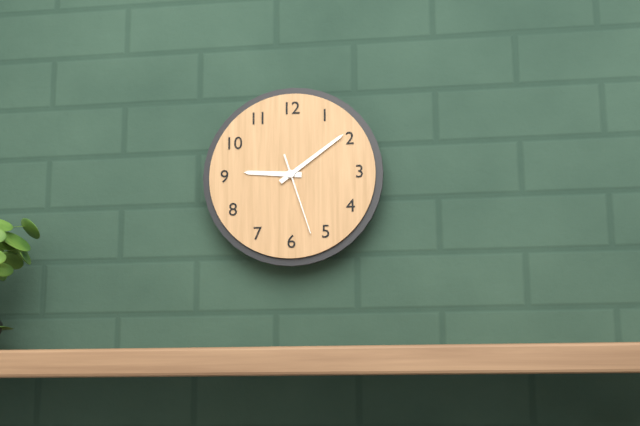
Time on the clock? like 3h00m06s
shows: 9h09m27s
